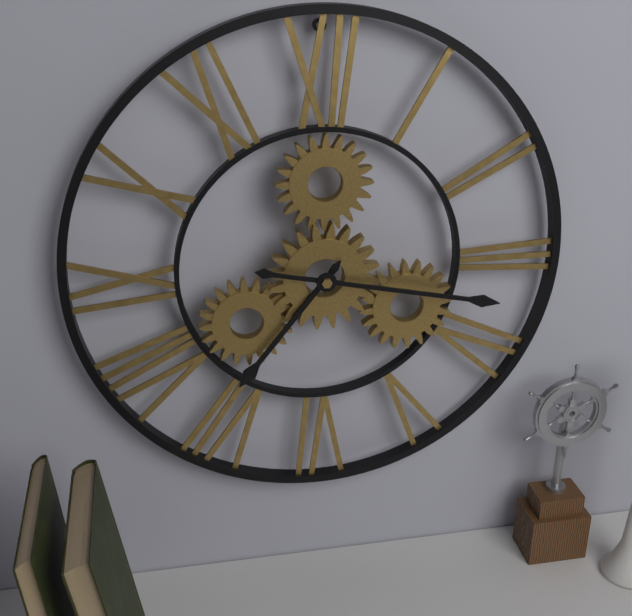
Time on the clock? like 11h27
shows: 7h17
